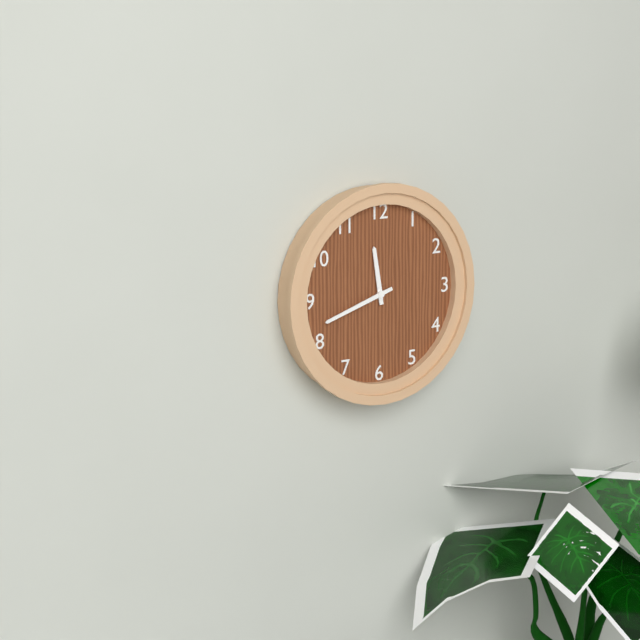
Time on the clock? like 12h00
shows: 11h42
